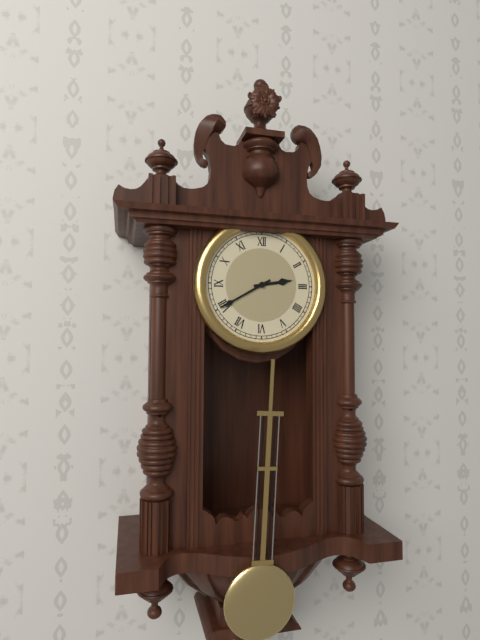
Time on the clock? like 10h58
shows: 2h40
